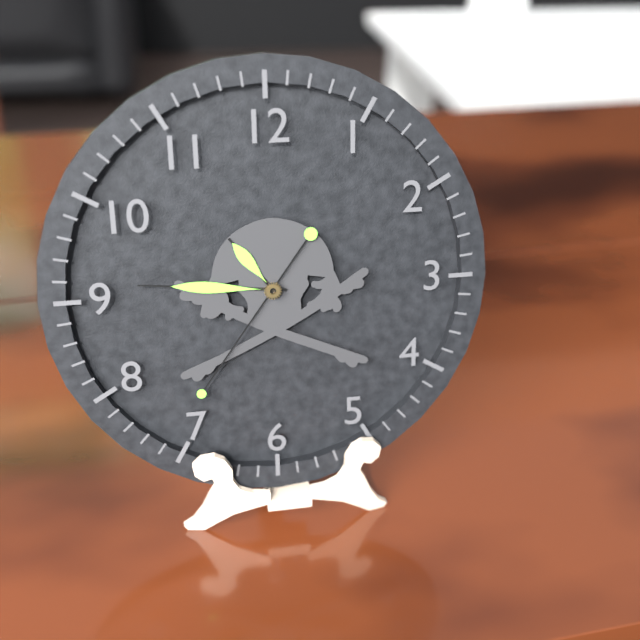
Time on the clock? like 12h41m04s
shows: 10h46m36s
